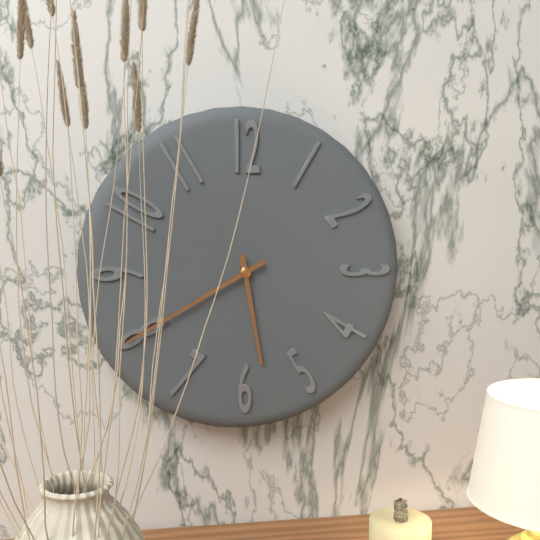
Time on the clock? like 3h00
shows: 5h40
